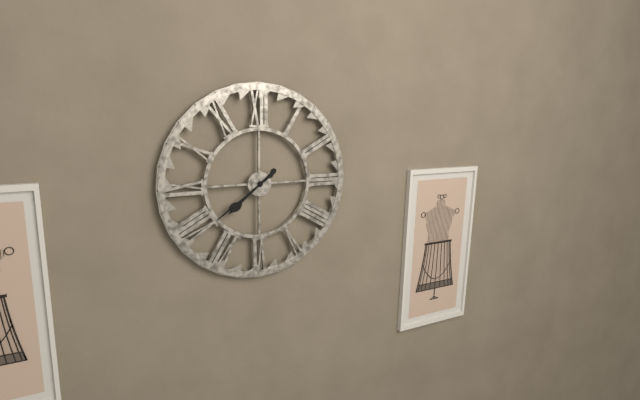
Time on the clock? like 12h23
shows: 7h39
